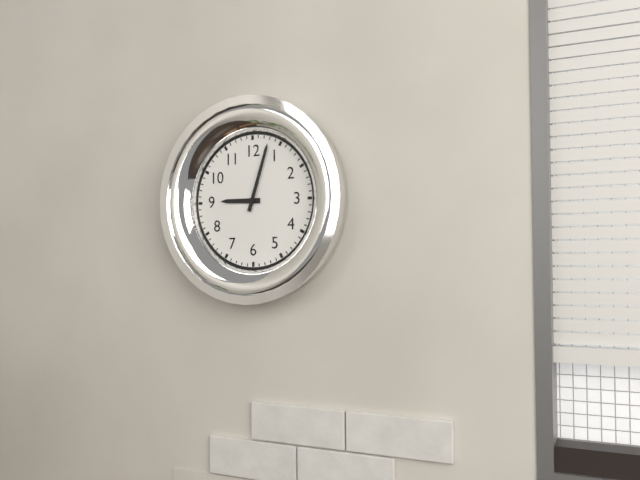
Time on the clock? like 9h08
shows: 9h03
